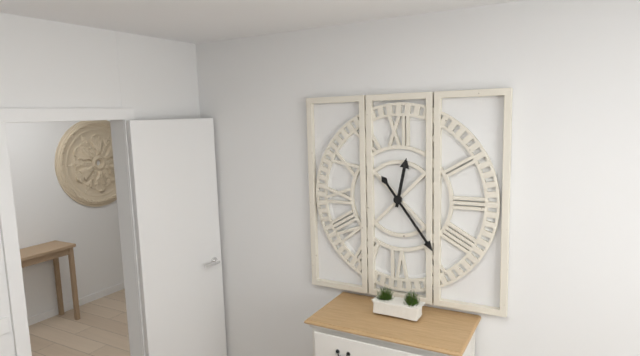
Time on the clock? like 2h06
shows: 12h24
